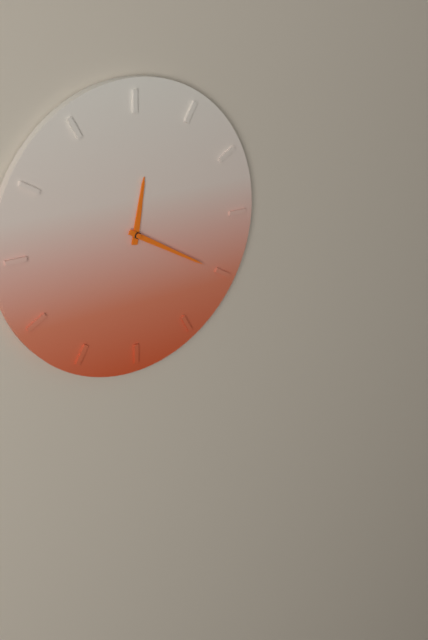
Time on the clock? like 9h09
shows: 12h20
